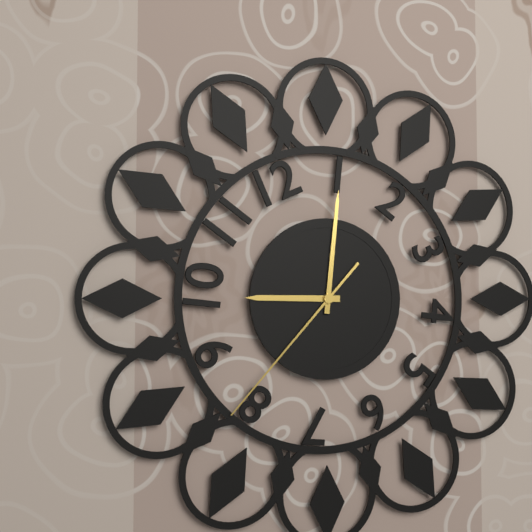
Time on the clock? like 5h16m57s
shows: 9h01m37s
